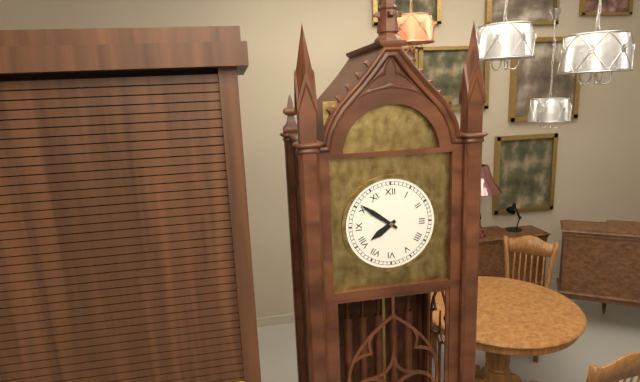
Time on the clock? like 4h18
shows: 7h51
